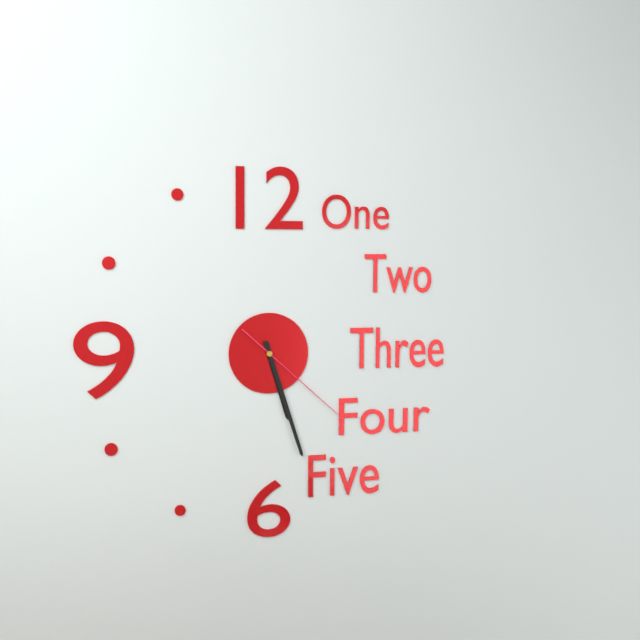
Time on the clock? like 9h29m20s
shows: 5h27m22s
